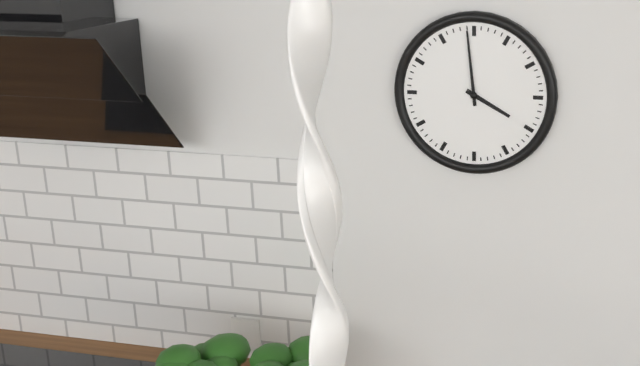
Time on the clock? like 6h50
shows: 3h59
